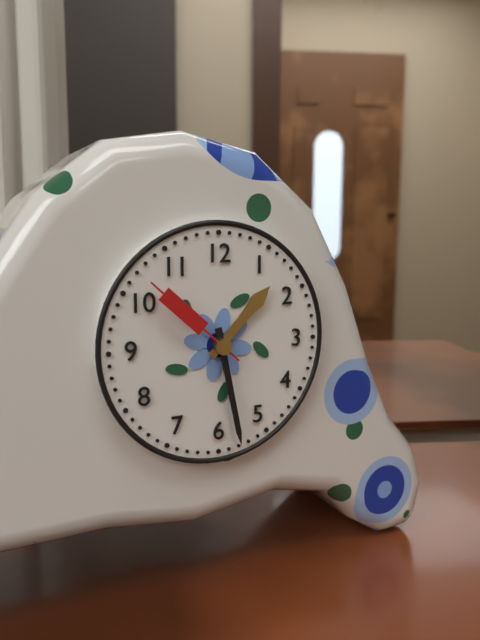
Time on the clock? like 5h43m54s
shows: 1h28m52s
